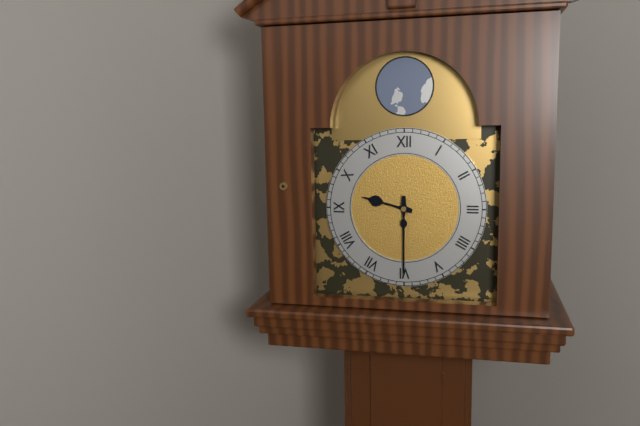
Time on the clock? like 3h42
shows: 9h30
